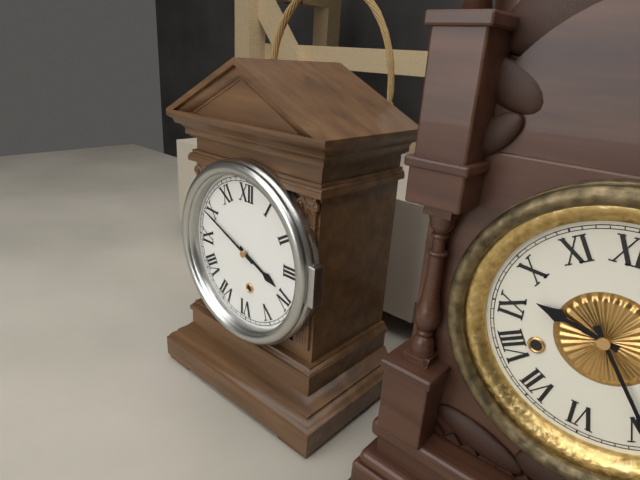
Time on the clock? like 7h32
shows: 3h49
